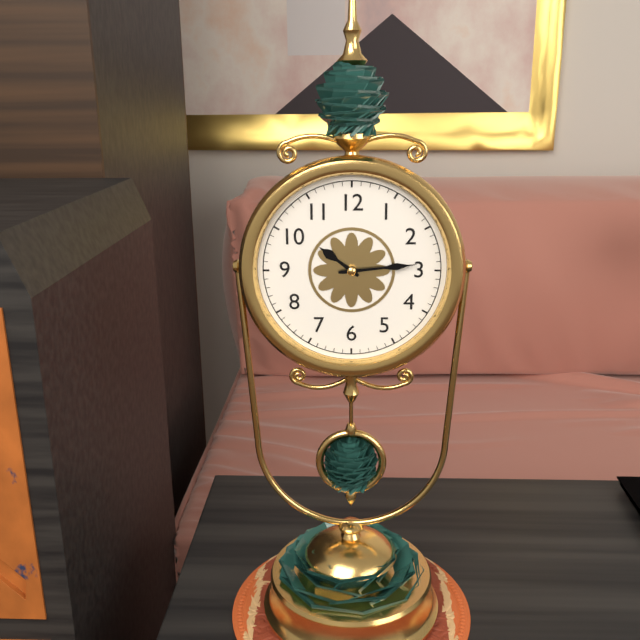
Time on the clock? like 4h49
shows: 10h14
